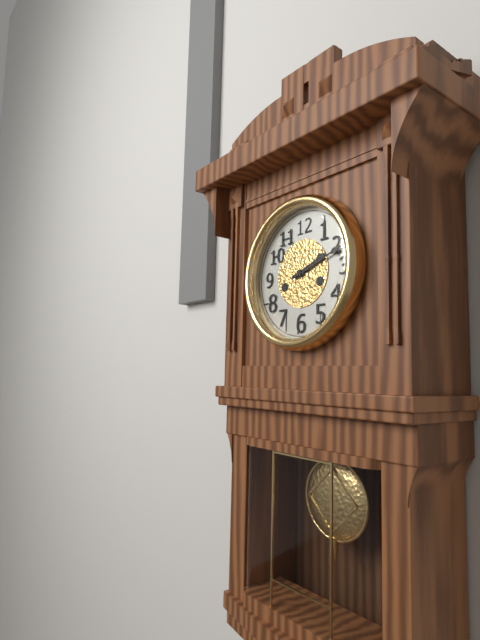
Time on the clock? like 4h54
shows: 2h12
